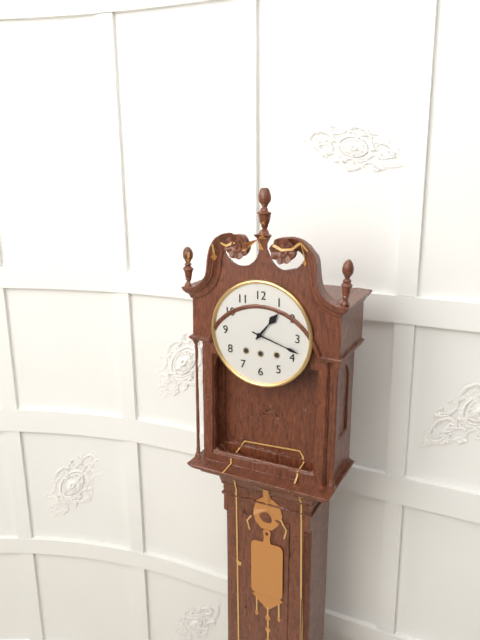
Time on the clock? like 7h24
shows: 1h18
